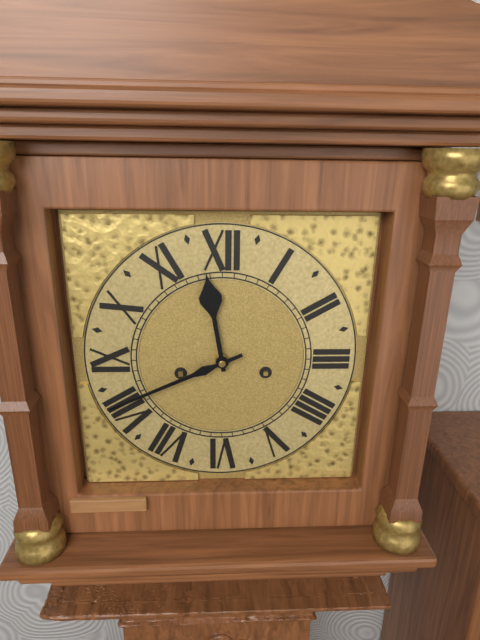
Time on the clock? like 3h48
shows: 11h41
